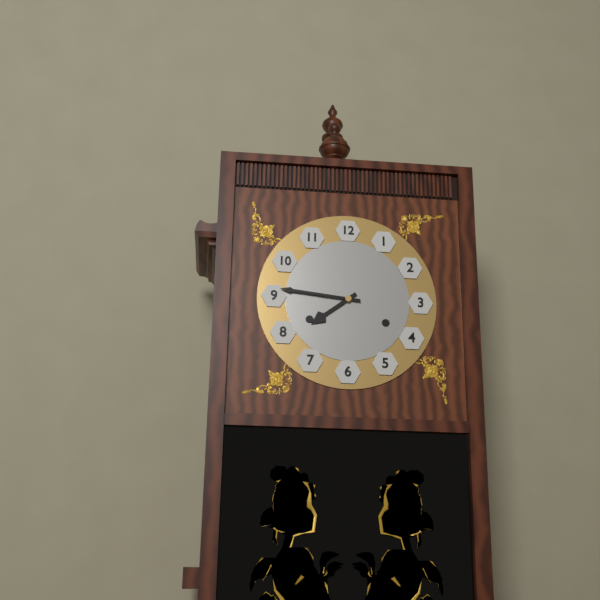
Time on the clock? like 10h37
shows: 7h46
